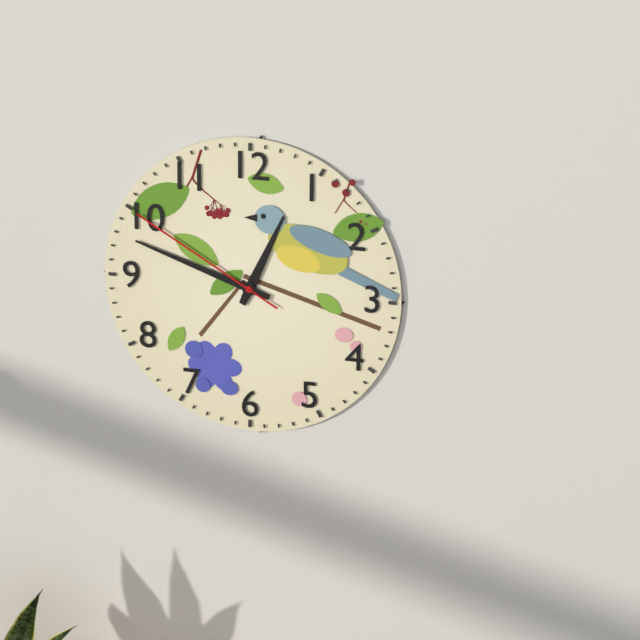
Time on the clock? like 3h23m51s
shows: 12h48m50s
